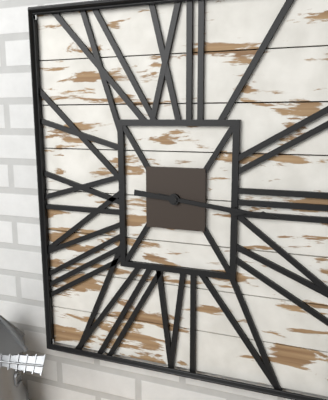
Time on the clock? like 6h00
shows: 3h16
